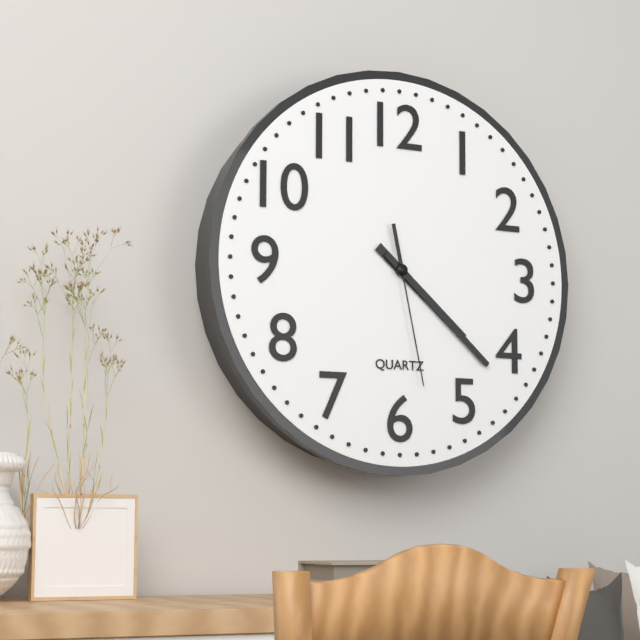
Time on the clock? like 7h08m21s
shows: 4h22m28s
